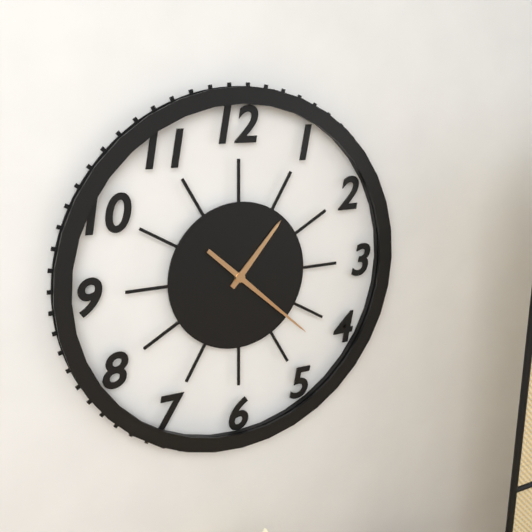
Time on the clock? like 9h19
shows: 1h22
